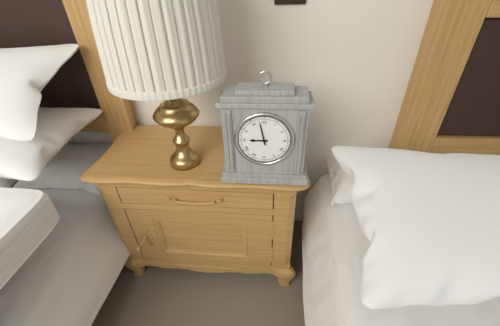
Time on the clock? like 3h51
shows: 8h58
